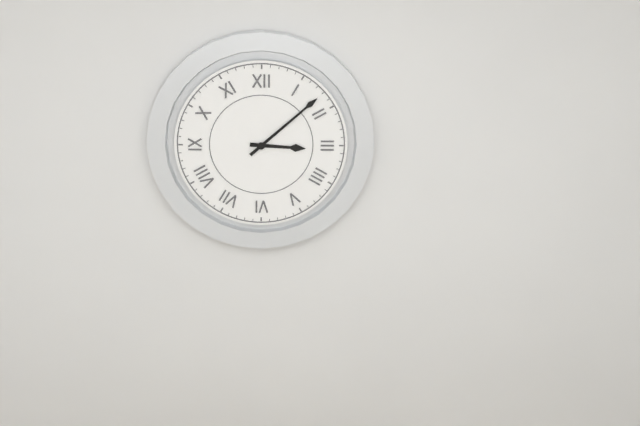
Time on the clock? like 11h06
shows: 3h08
